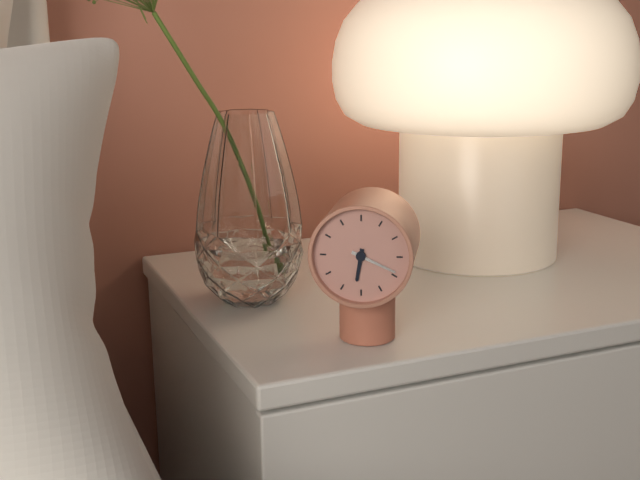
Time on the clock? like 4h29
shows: 6h19
